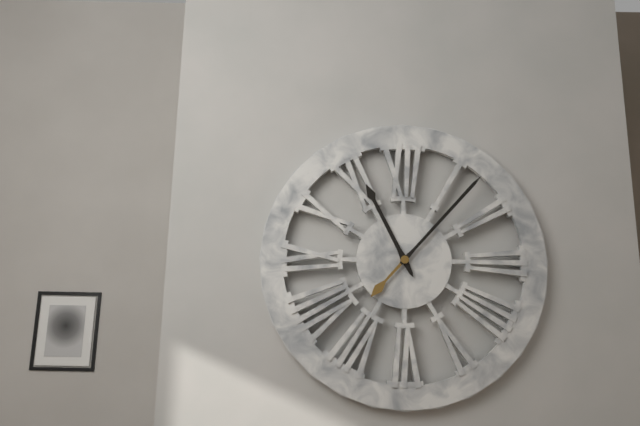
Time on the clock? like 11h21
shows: 11h07
